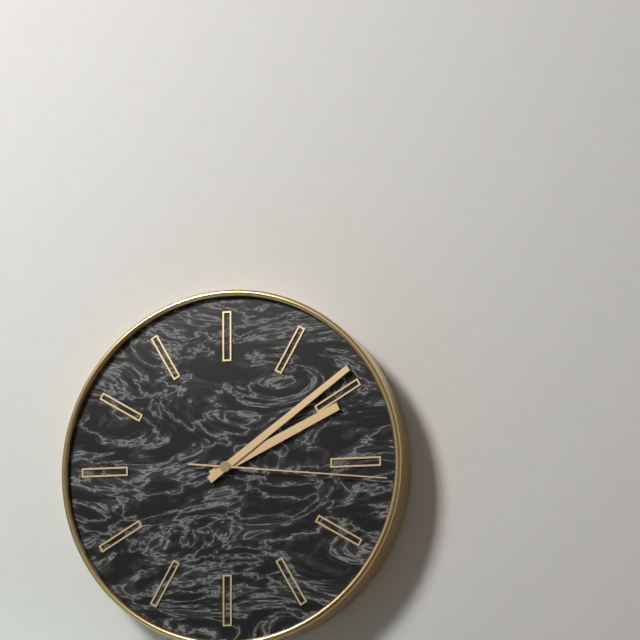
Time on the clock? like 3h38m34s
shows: 2h09m16s
